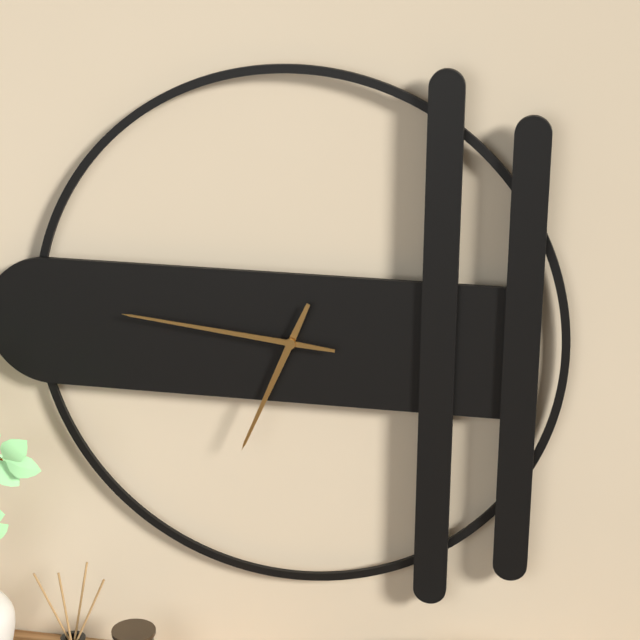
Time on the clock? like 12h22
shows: 6h46
